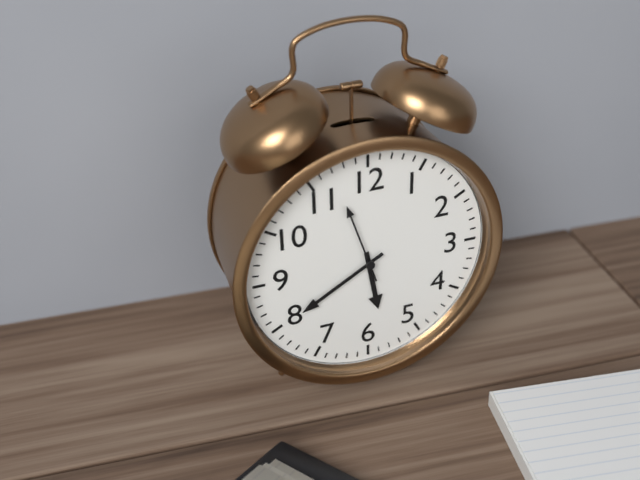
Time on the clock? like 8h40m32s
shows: 5h40m57s
